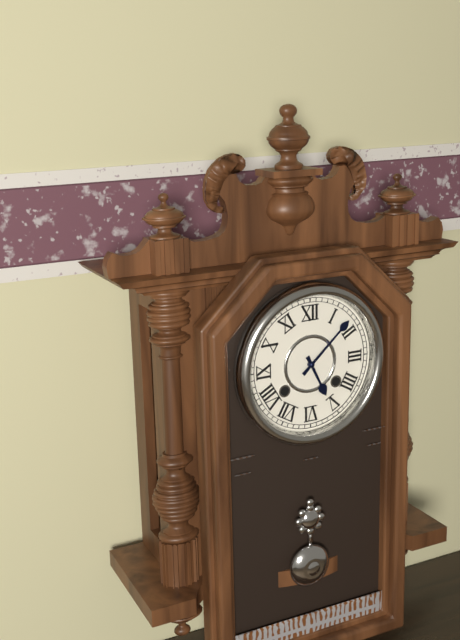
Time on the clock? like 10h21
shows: 5h08
